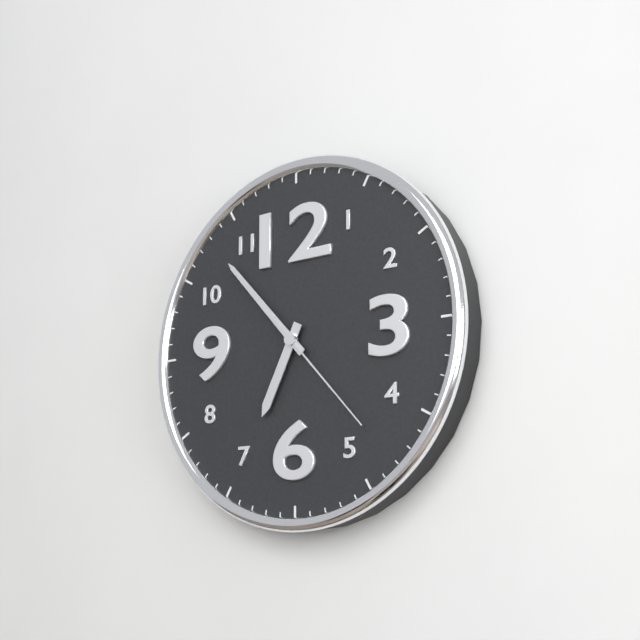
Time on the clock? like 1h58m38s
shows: 6h53m23s
